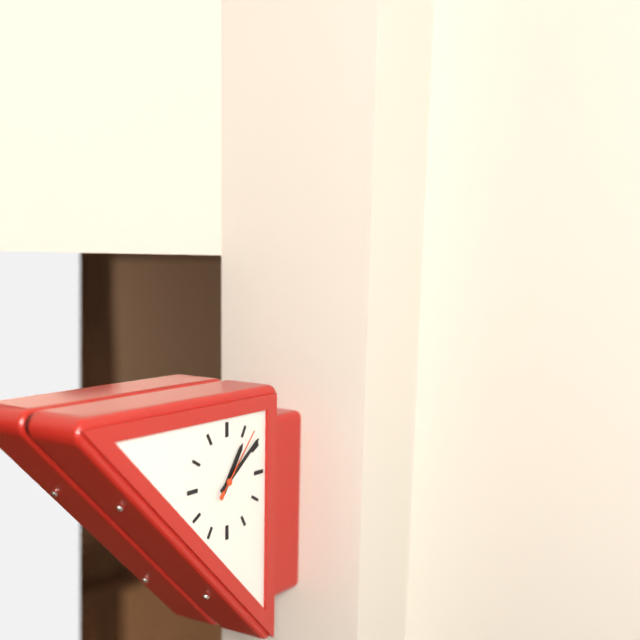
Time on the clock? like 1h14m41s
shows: 1h09m07s
